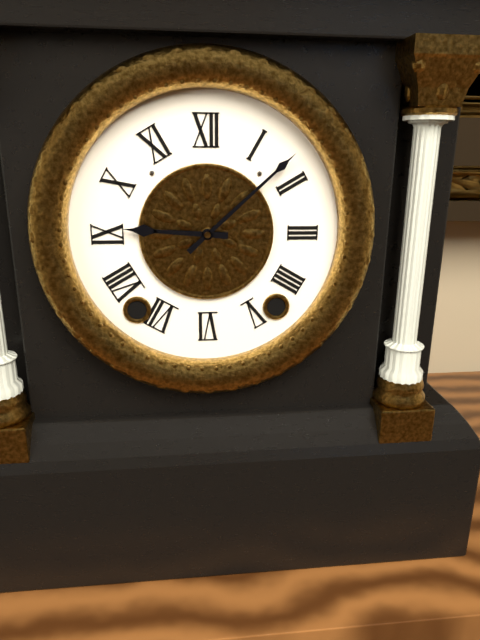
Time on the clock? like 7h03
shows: 9h08
